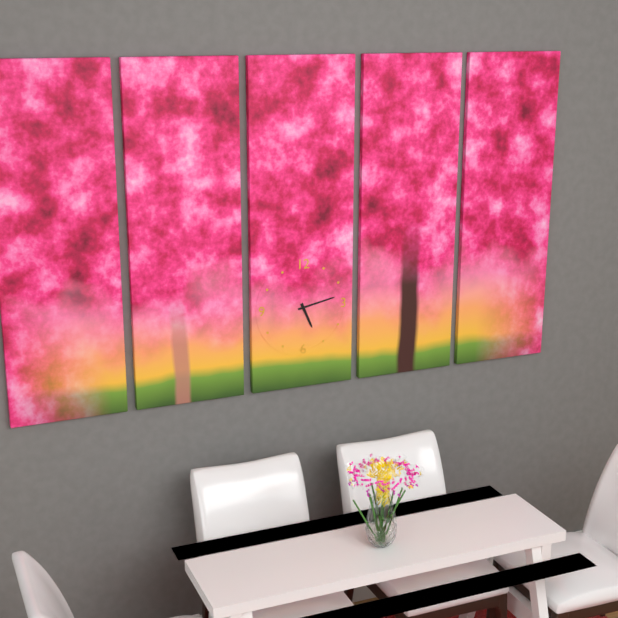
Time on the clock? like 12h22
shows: 5h13
